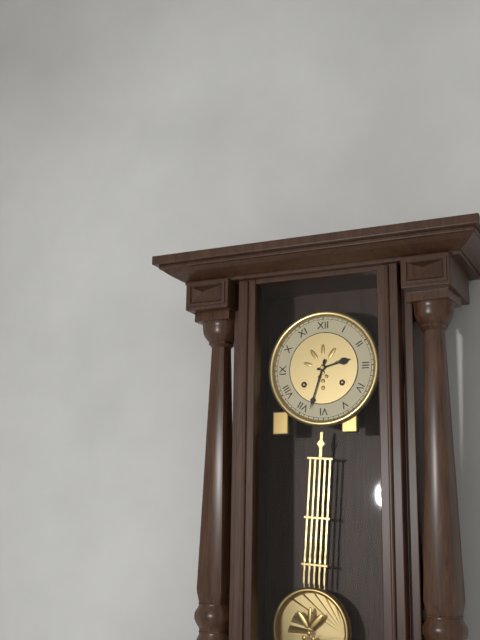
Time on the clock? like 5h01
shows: 2h33
